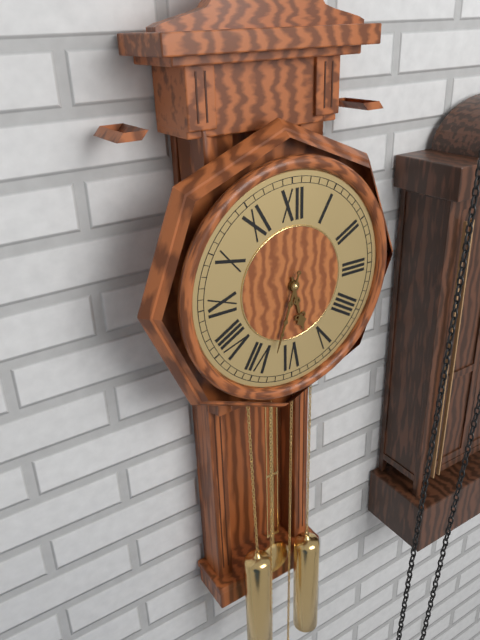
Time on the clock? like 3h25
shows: 5h33
